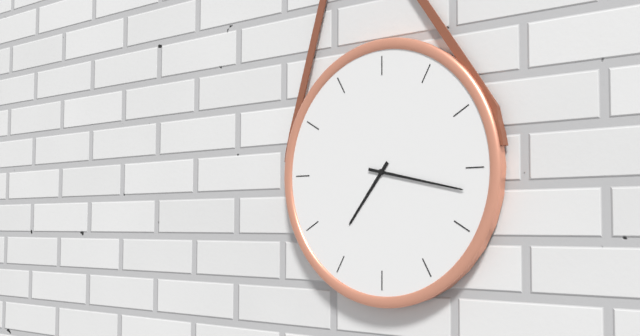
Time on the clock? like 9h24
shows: 7h17
